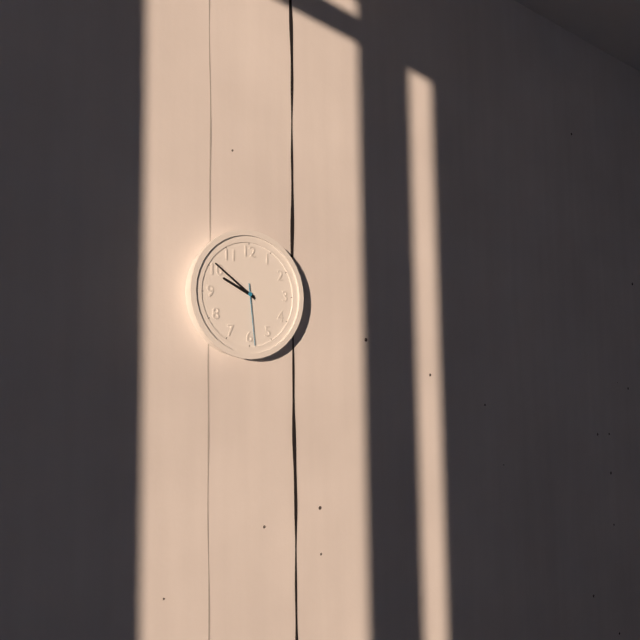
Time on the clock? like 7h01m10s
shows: 9h51m29s
